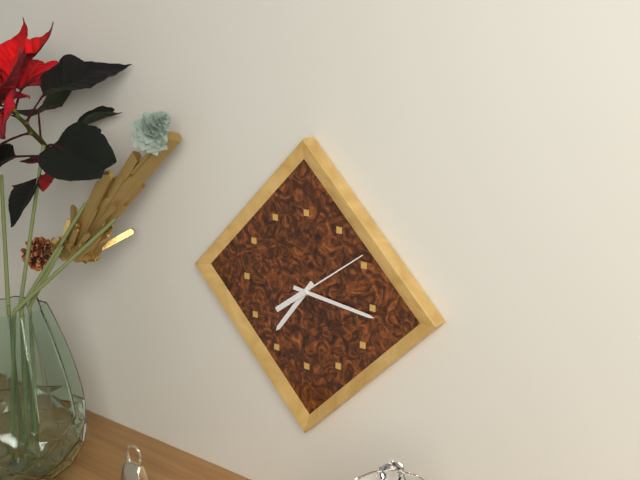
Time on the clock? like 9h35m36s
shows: 7h16m09s
